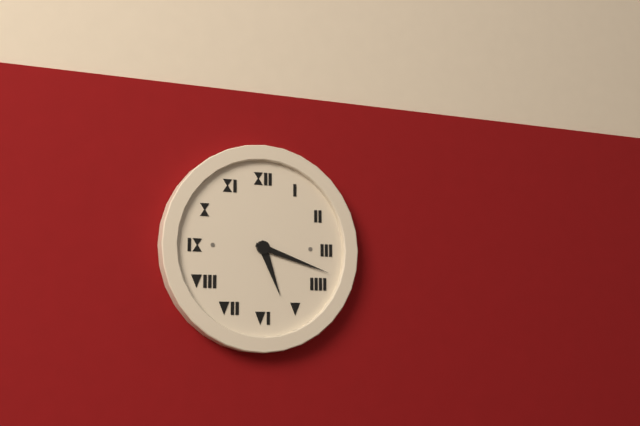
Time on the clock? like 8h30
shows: 5h18
